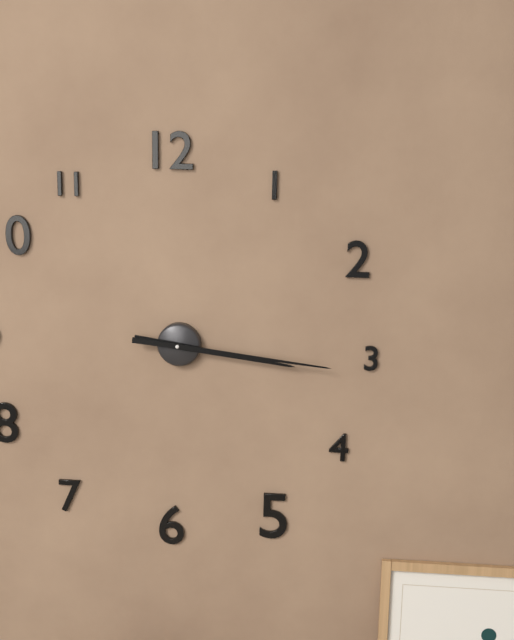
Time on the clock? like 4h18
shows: 3h16
